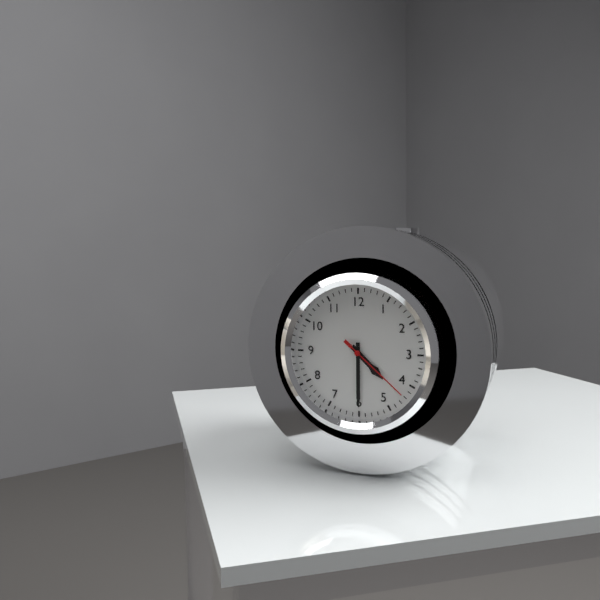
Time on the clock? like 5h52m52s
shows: 4h30m22s
